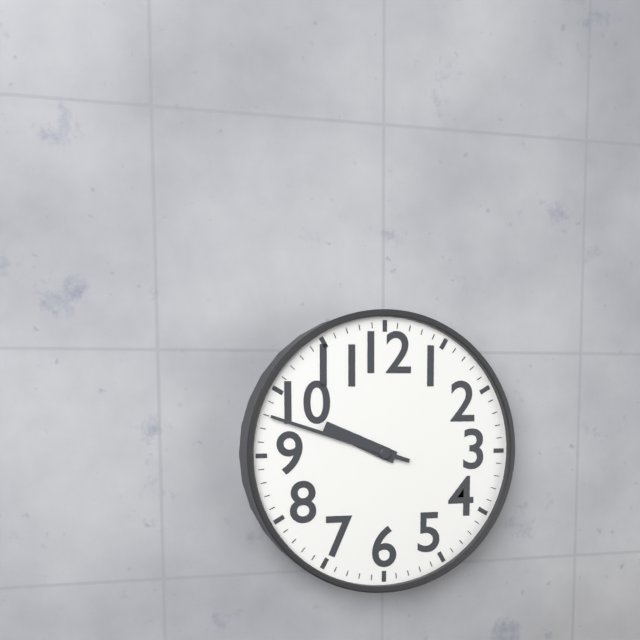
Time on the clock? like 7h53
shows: 9h48
